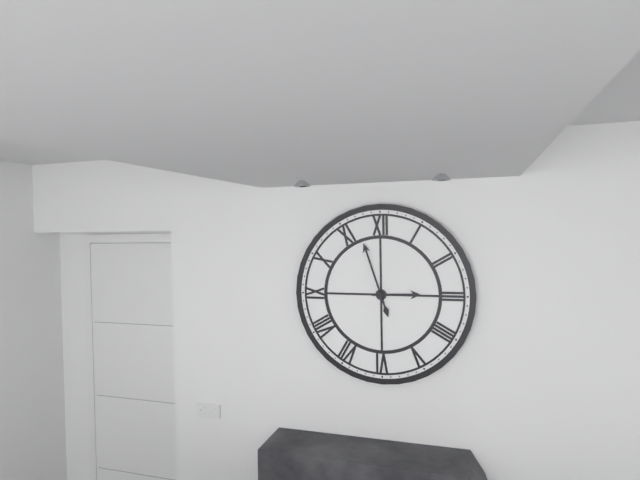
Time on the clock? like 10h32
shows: 2h57
